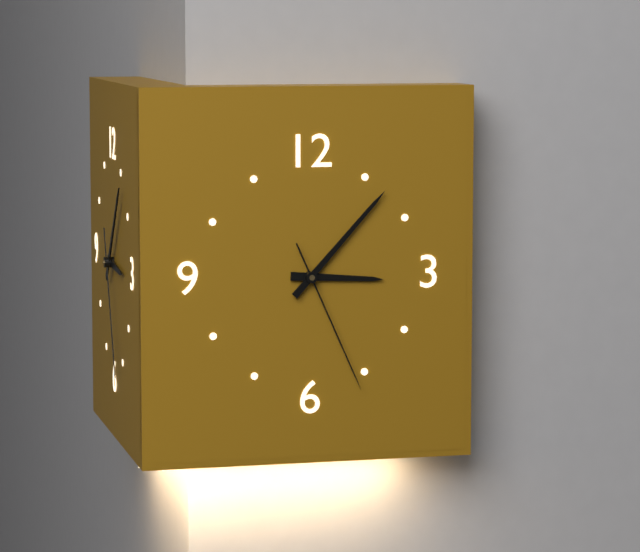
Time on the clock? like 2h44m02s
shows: 3h07m26s
